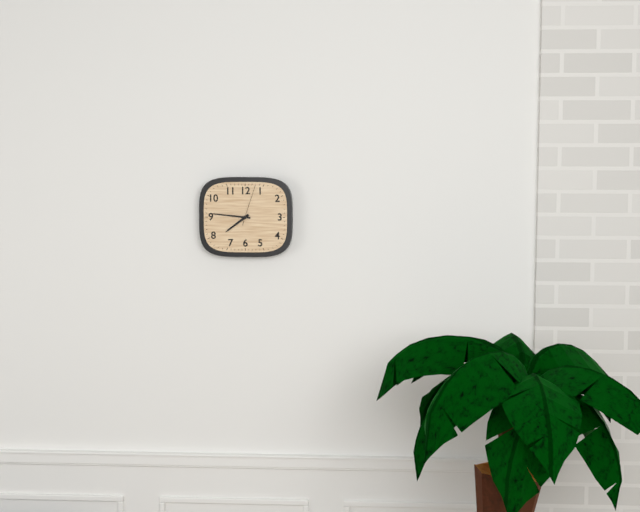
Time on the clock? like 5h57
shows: 7h46
